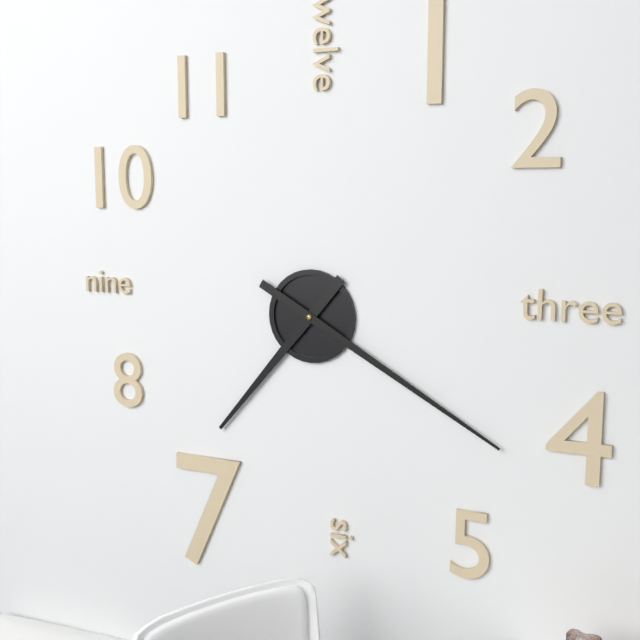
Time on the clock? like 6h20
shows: 7h20
